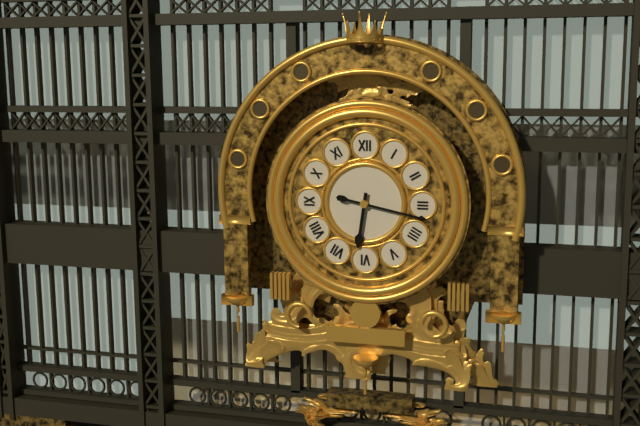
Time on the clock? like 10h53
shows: 6h17
